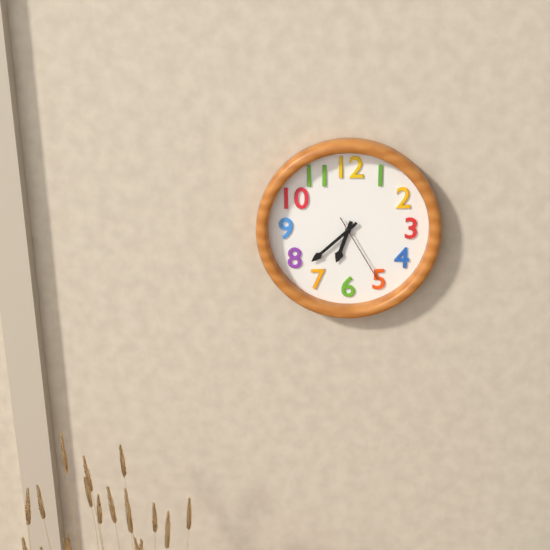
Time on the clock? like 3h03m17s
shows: 6h38m25s
